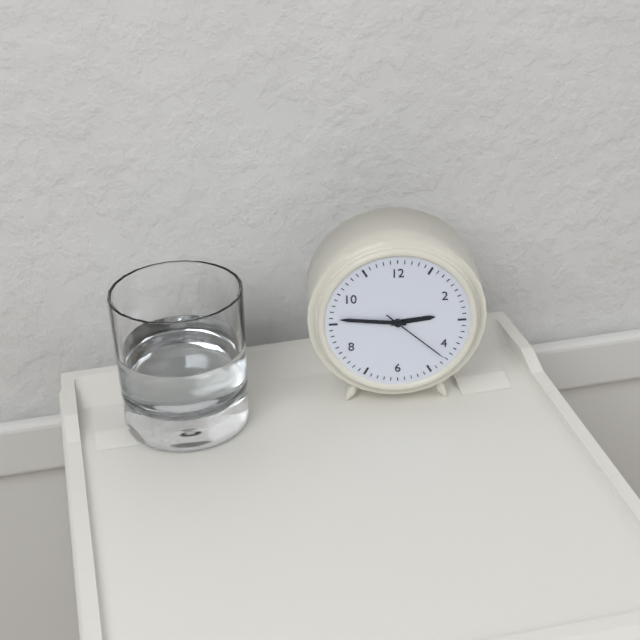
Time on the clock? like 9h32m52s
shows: 2h46m22s
